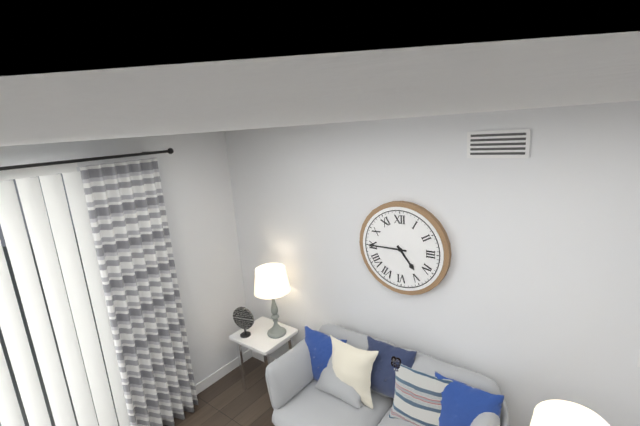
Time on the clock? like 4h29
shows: 4h45
